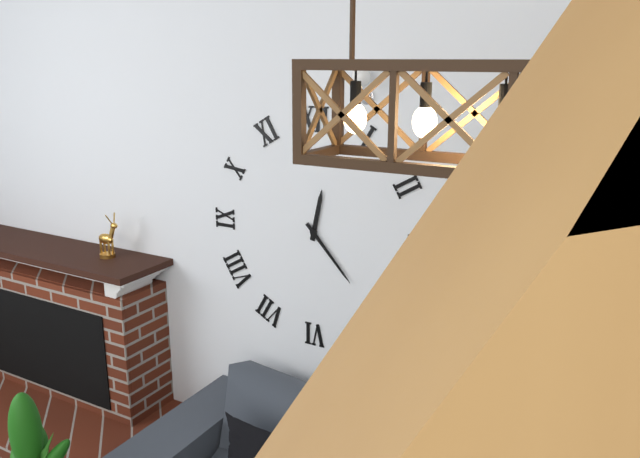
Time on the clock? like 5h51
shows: 12h23
